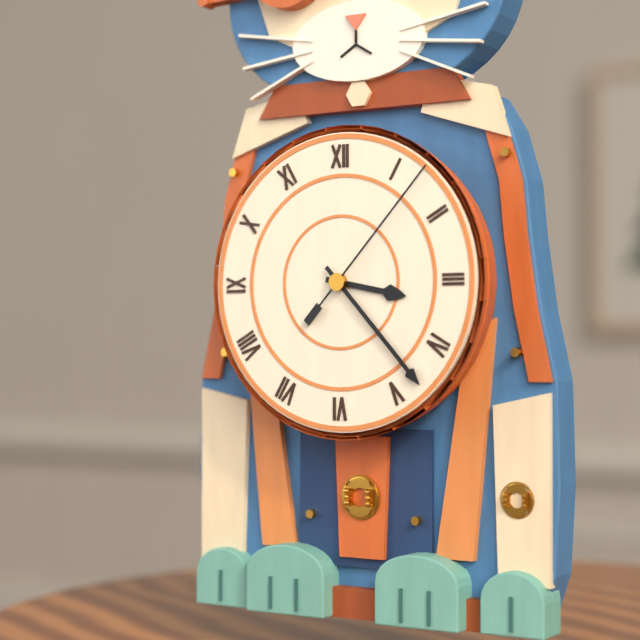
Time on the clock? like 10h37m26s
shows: 3h23m07s
